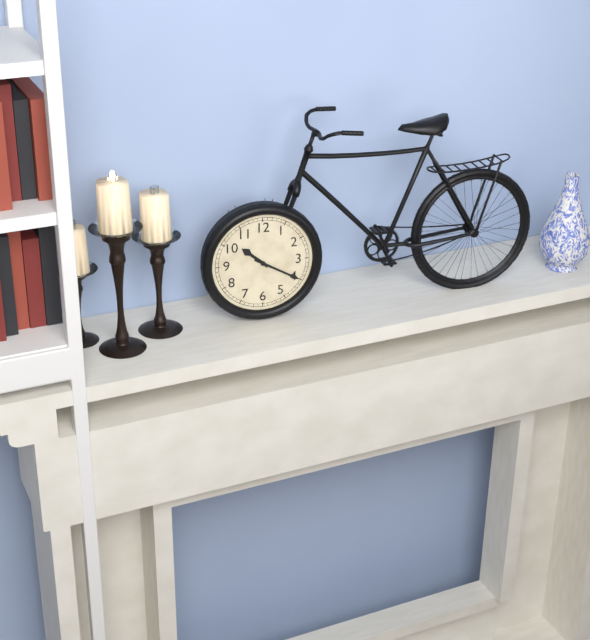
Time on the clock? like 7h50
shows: 10h20
